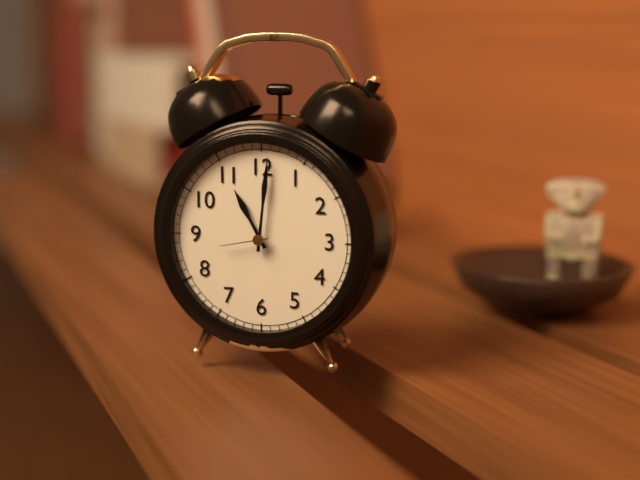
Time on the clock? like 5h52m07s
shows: 11h01m43s
